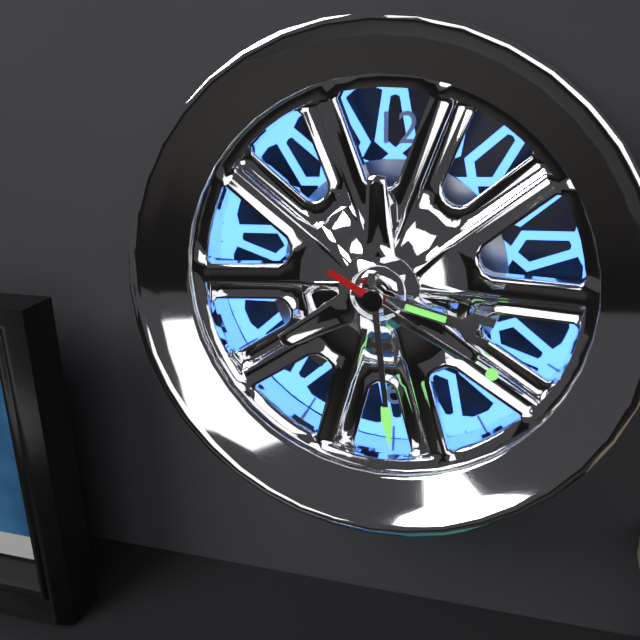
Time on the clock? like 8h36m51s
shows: 3h29m20s
